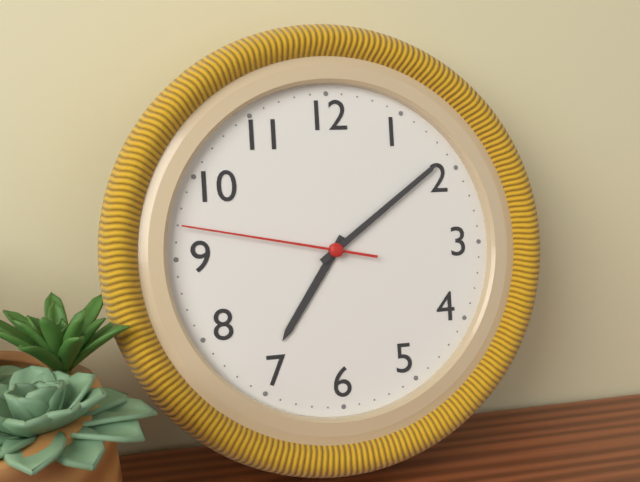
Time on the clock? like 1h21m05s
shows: 7h09m47s
